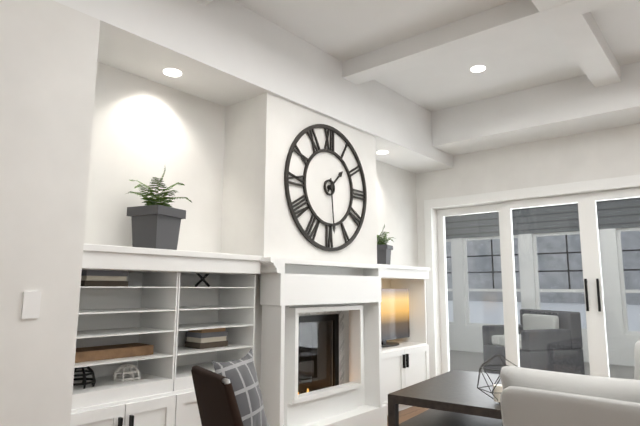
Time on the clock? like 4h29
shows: 1h29
